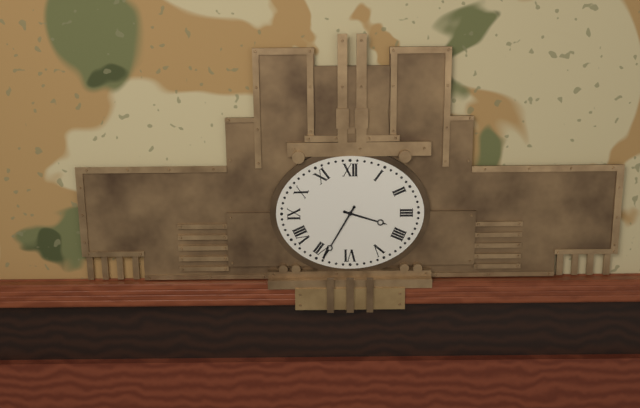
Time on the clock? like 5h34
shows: 3h35
